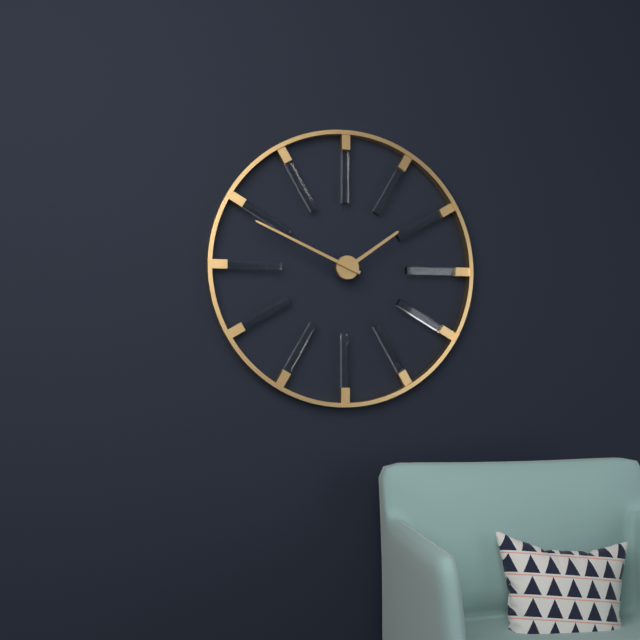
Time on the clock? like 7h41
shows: 1h49
